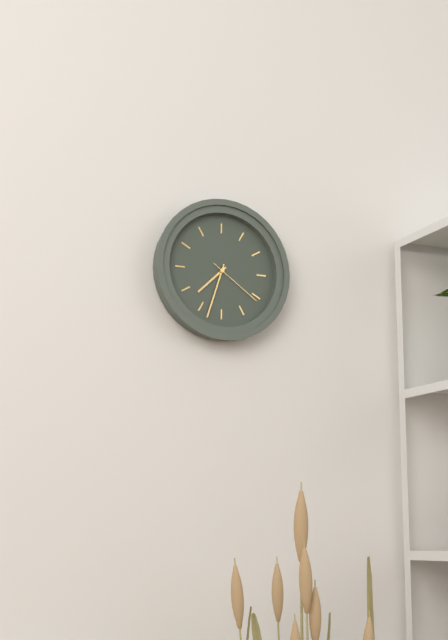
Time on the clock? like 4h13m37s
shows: 7h33m21s
